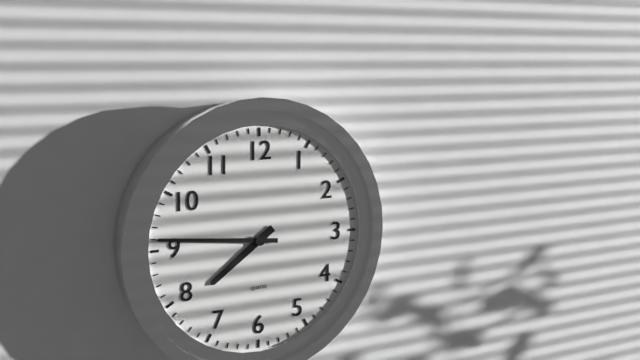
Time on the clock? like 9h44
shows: 7h46
